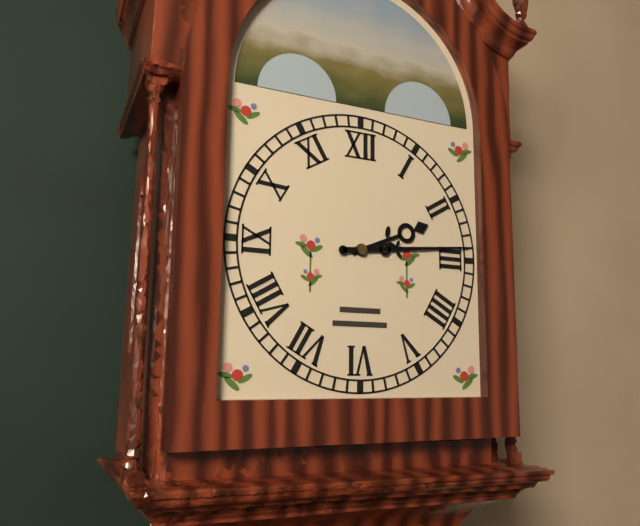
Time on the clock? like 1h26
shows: 2h14
